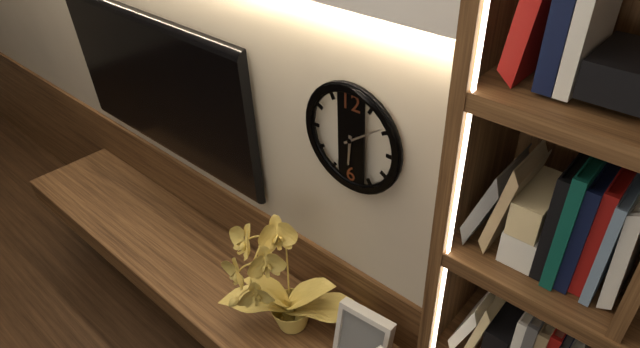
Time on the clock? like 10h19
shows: 6h09
